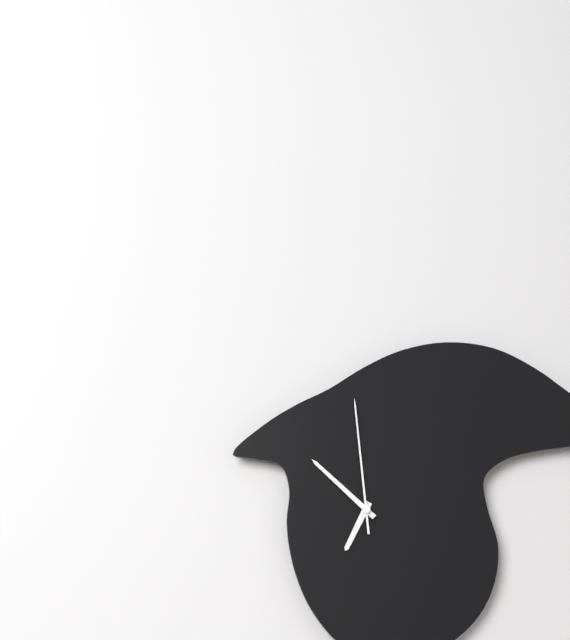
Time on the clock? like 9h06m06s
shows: 6h52m59s
